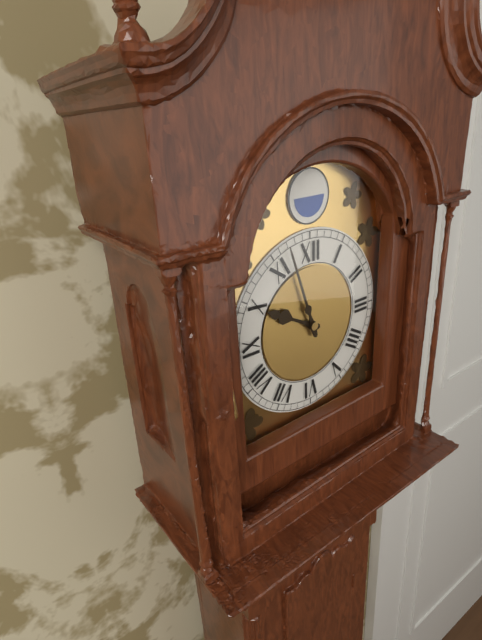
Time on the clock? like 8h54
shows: 9h57
